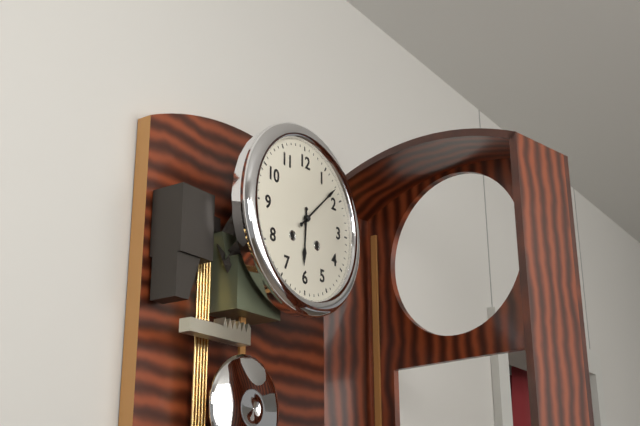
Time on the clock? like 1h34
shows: 6h08
